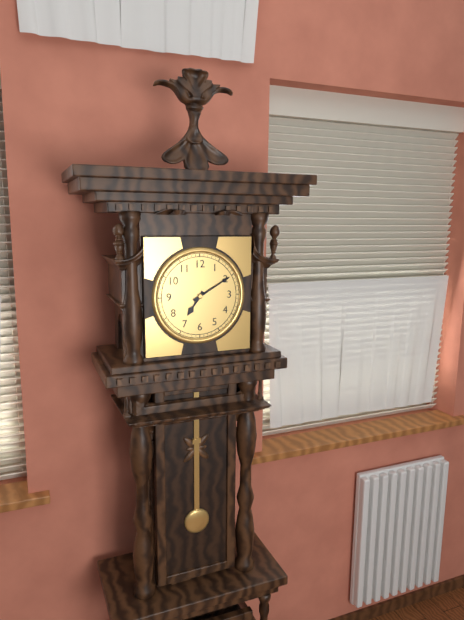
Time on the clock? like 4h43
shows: 7h10
